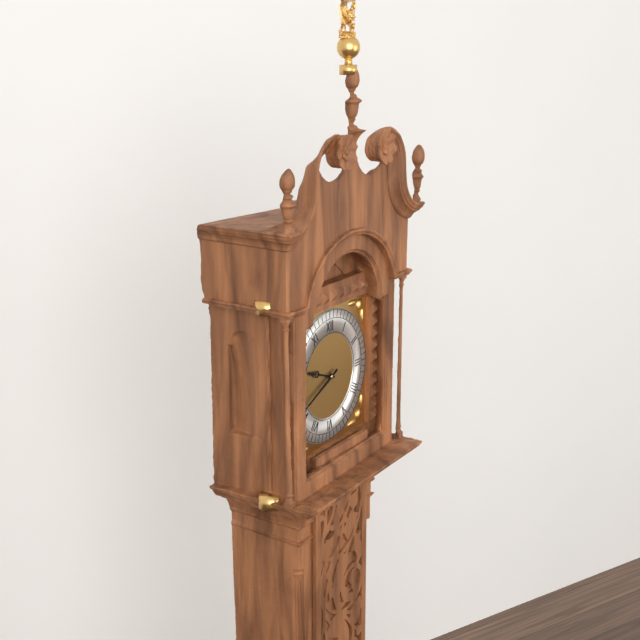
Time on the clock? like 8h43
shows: 9h41
